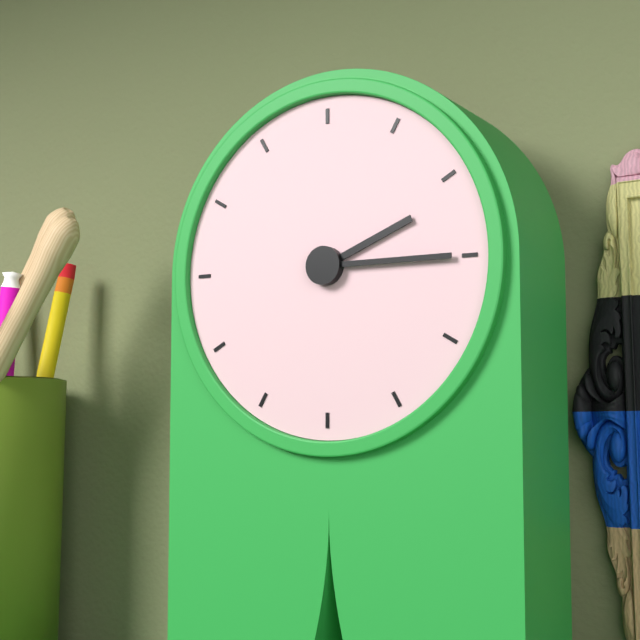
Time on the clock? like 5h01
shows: 2h15
